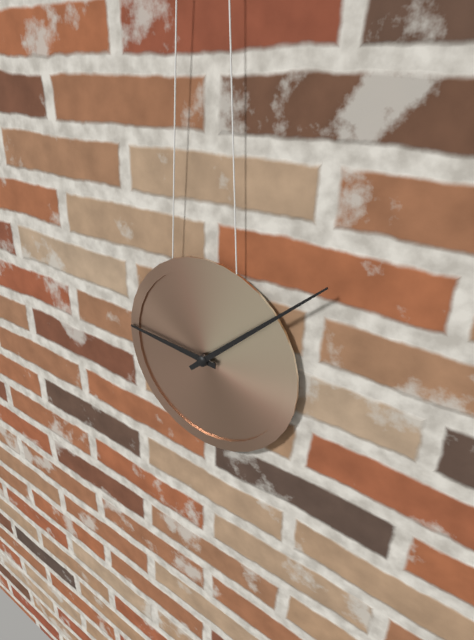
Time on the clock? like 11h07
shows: 9h08
